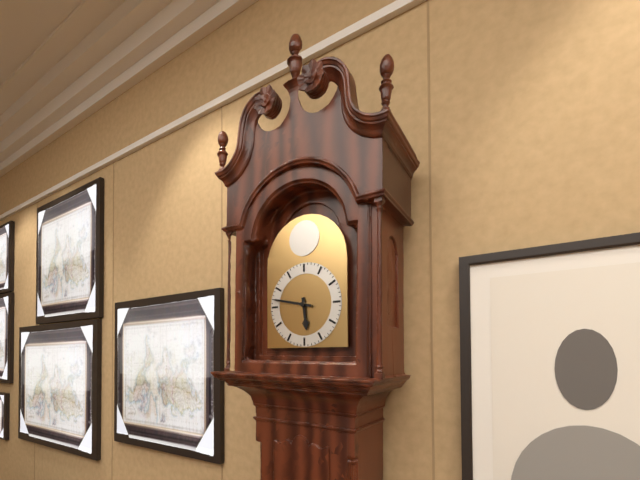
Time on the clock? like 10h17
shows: 5h47
